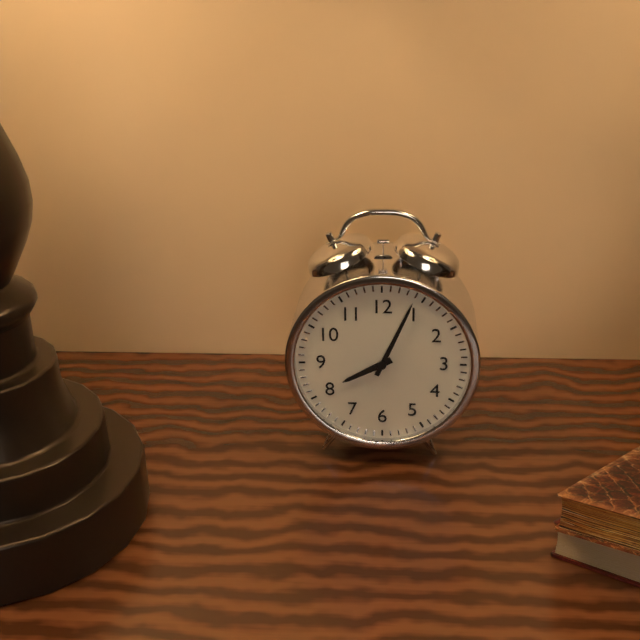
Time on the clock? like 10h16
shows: 8h04
